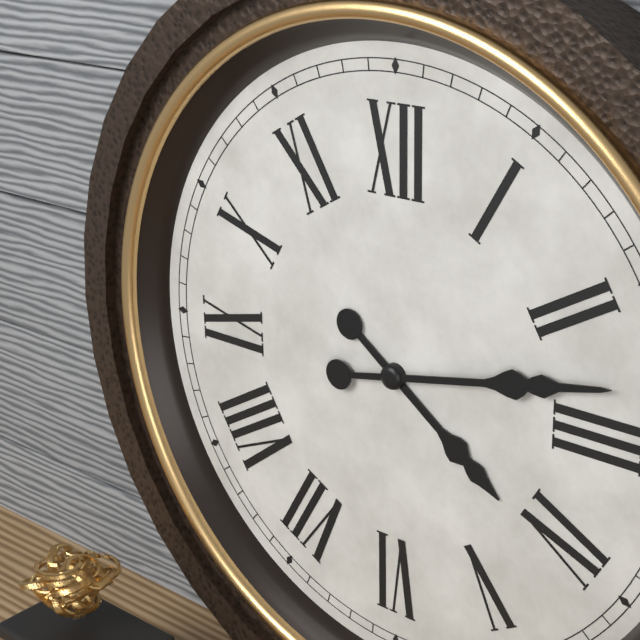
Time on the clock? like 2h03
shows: 4h13
